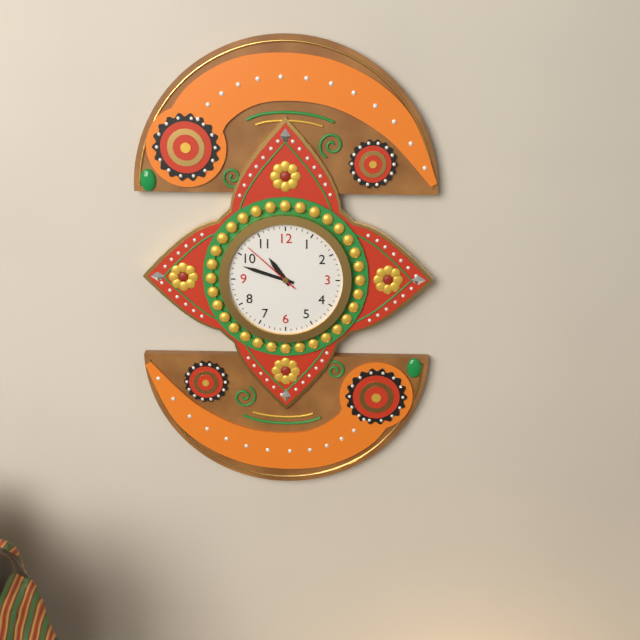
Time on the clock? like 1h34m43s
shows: 10h48m52s
